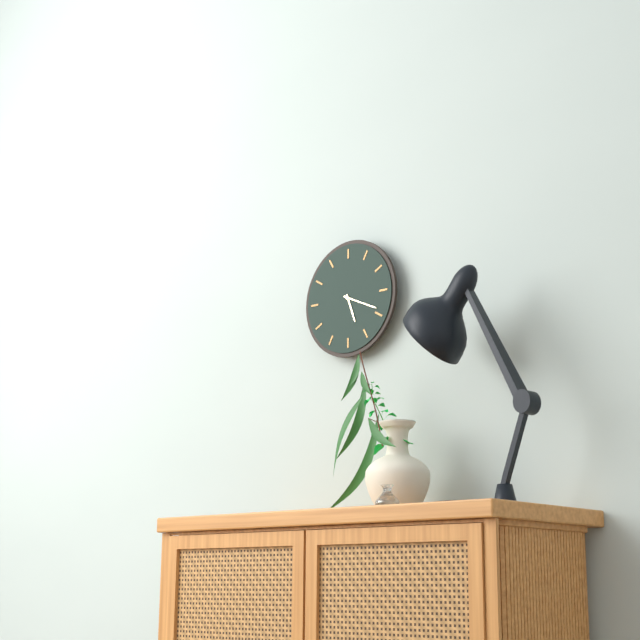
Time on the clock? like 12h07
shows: 5h19
